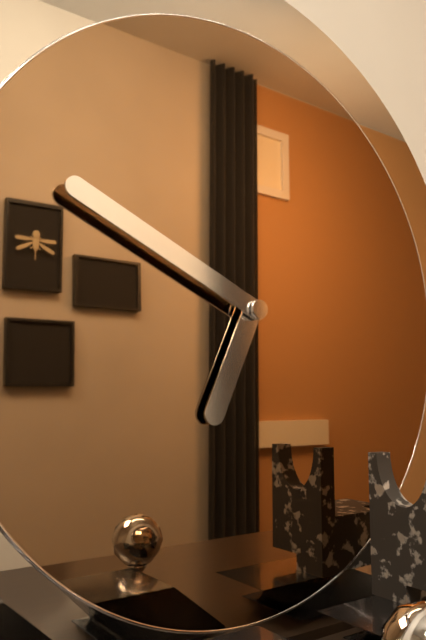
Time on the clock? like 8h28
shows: 6h49
